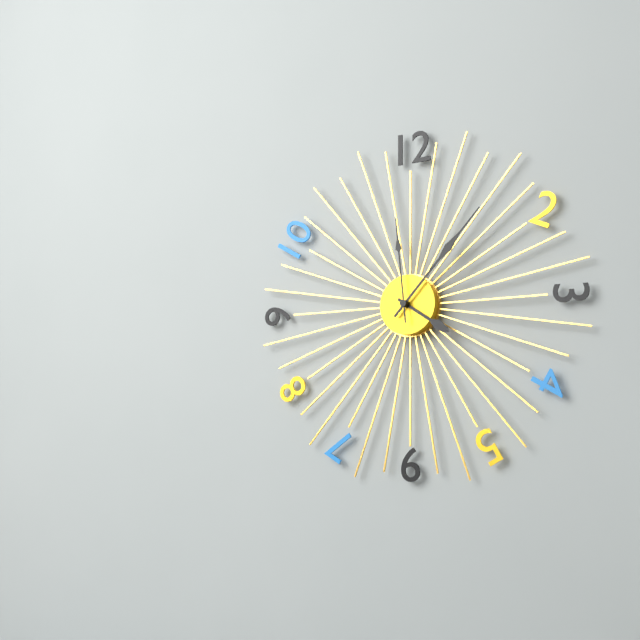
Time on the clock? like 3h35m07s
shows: 4h07m59s
